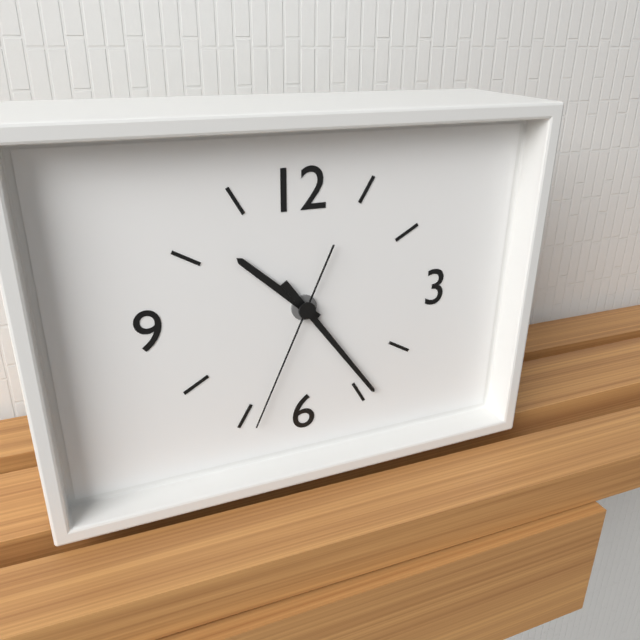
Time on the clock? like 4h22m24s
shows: 10h24m34s
